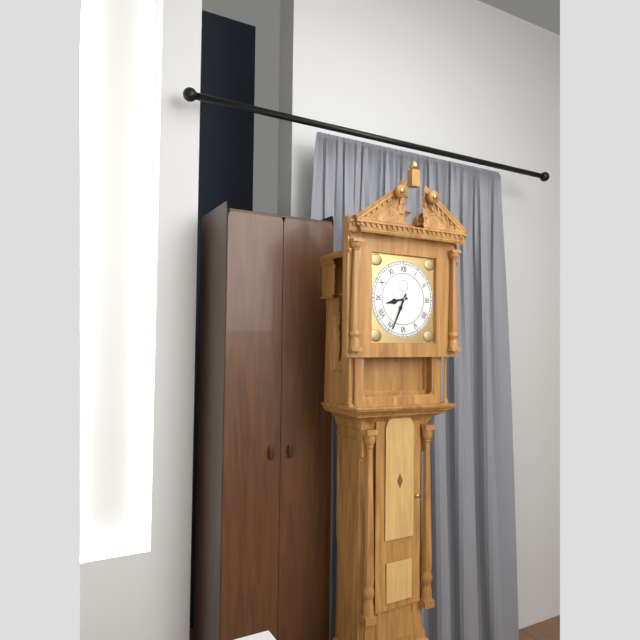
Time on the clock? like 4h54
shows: 8h34
